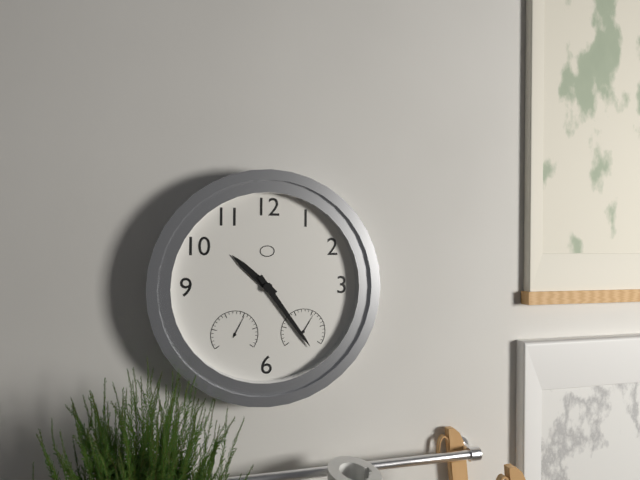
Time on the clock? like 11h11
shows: 10h24
